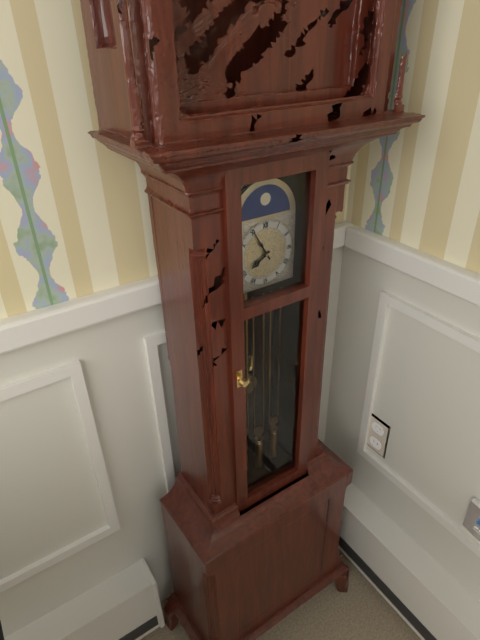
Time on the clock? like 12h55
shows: 7h55
